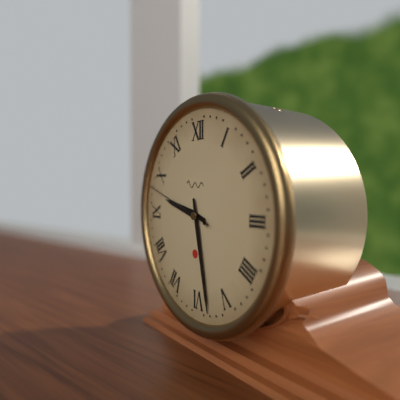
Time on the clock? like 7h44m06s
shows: 9h28m48s
